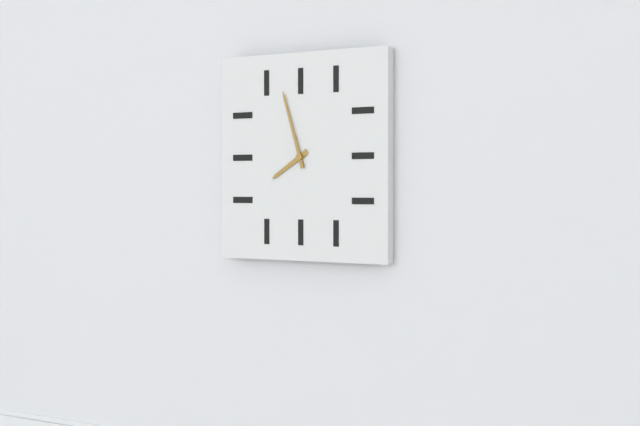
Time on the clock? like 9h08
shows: 7h57
